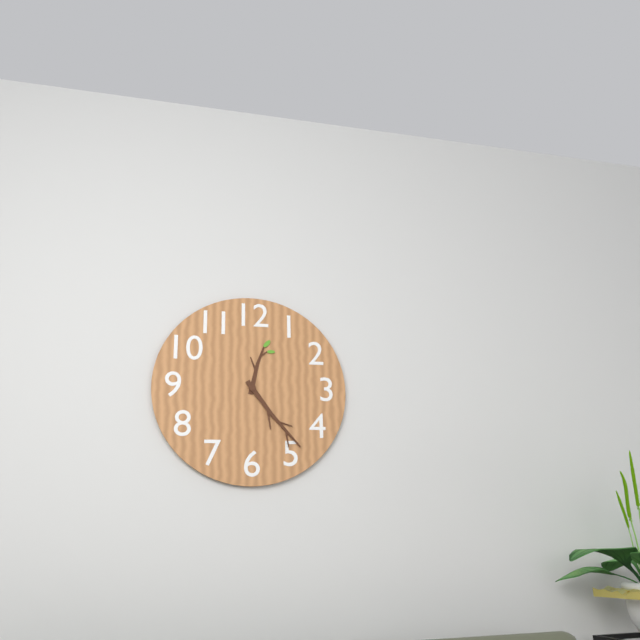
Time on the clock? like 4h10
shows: 12h24
